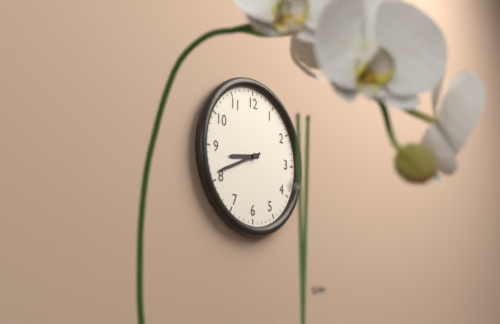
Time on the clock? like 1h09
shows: 8h41
